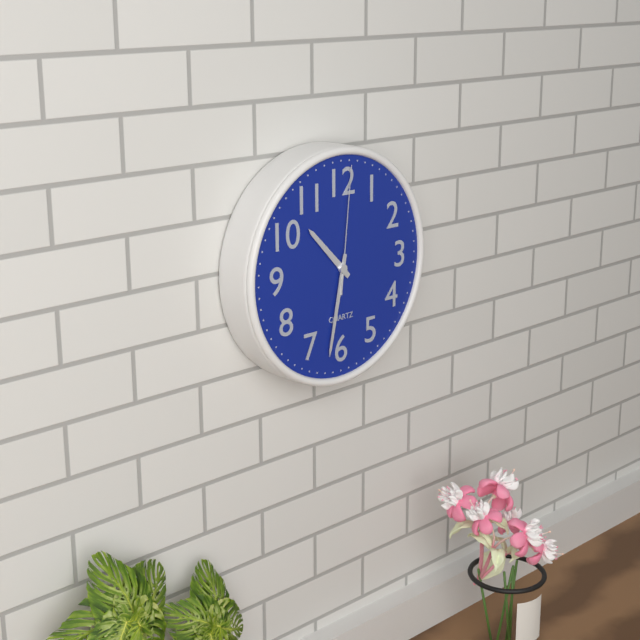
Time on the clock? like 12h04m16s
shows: 10h32m01s
